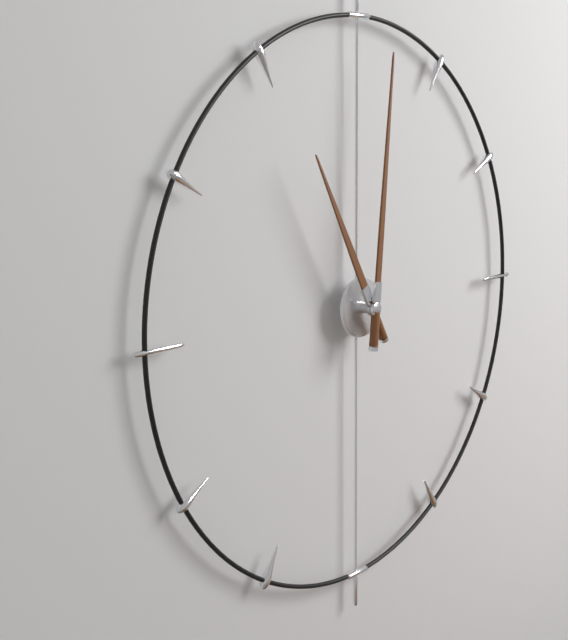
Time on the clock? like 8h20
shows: 11h01
